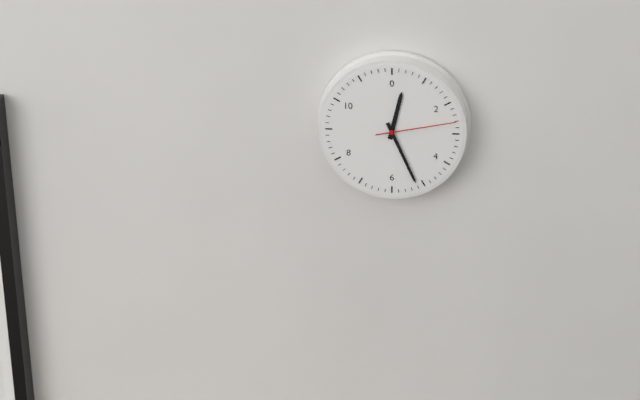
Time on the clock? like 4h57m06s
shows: 12h26m13s
